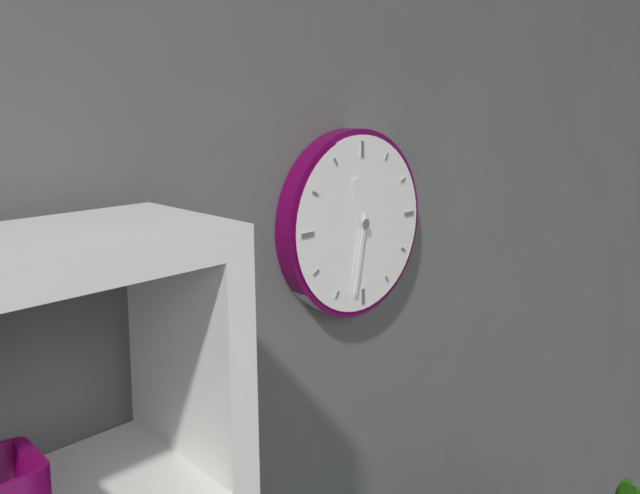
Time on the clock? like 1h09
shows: 11h32
